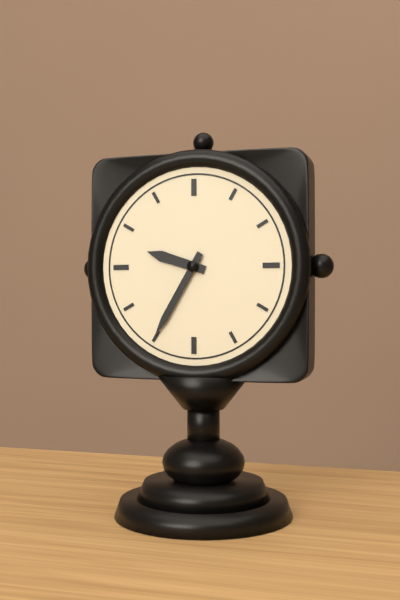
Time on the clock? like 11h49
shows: 9h35
